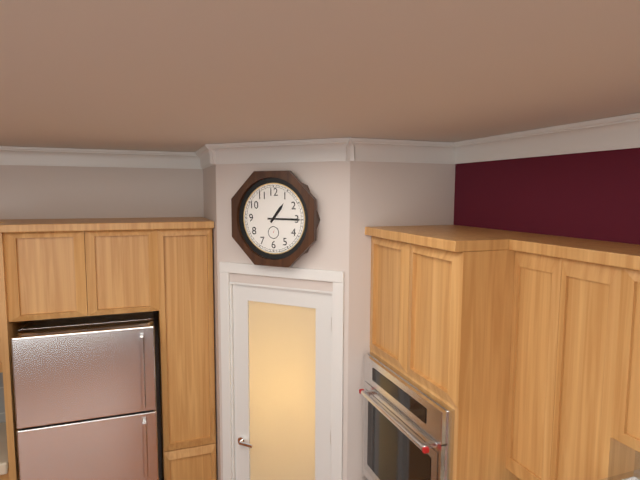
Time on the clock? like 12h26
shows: 1h15
